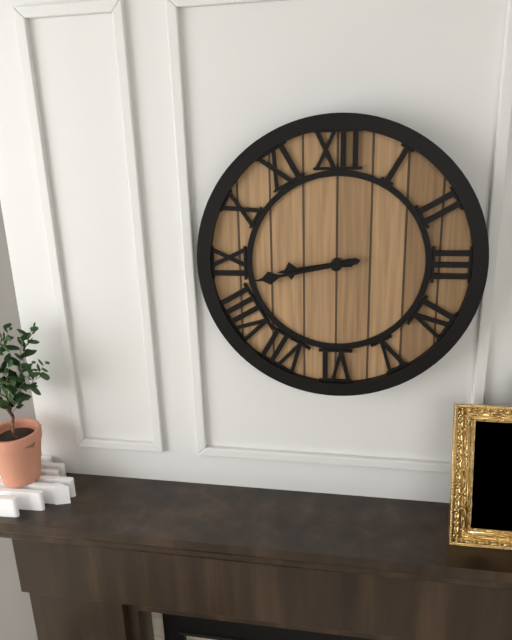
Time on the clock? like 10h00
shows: 8h43
